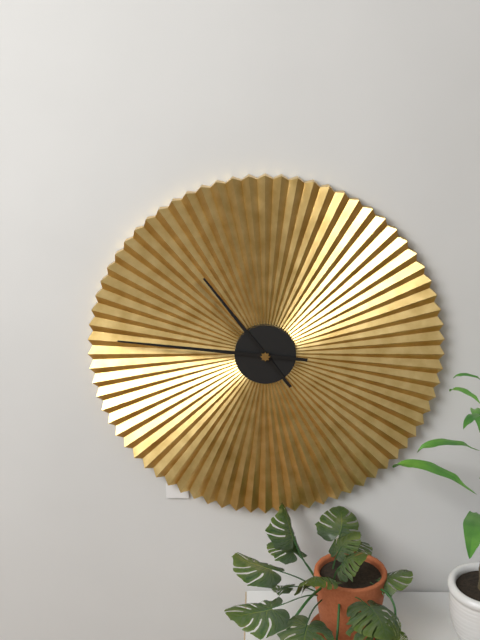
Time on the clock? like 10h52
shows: 10h46
